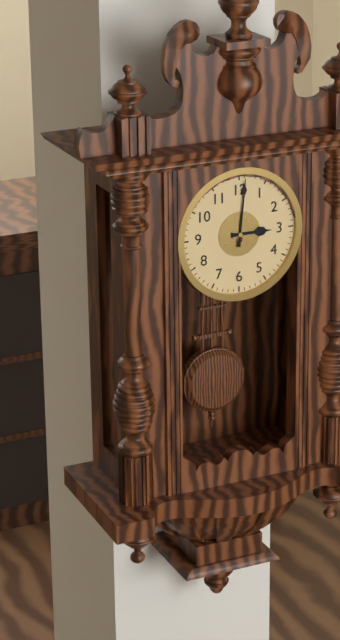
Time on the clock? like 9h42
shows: 3h01
